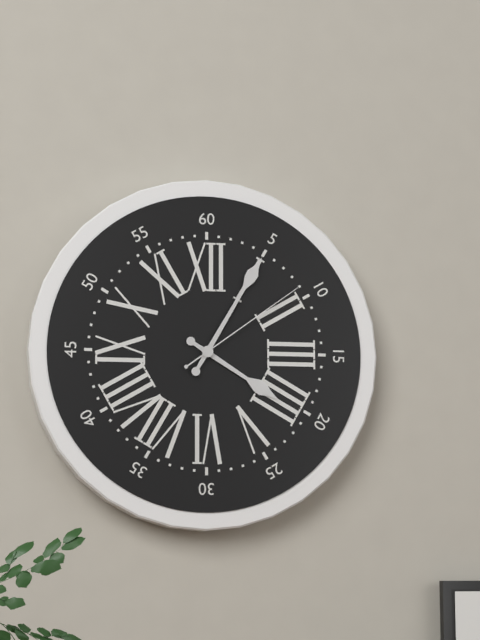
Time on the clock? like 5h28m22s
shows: 4h05m09s
